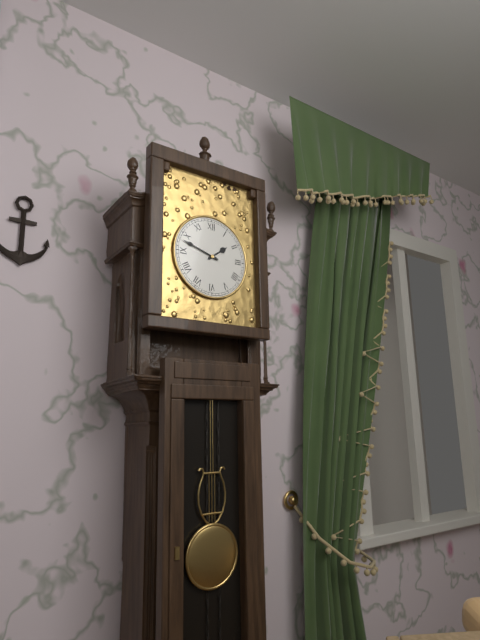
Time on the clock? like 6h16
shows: 1h48
